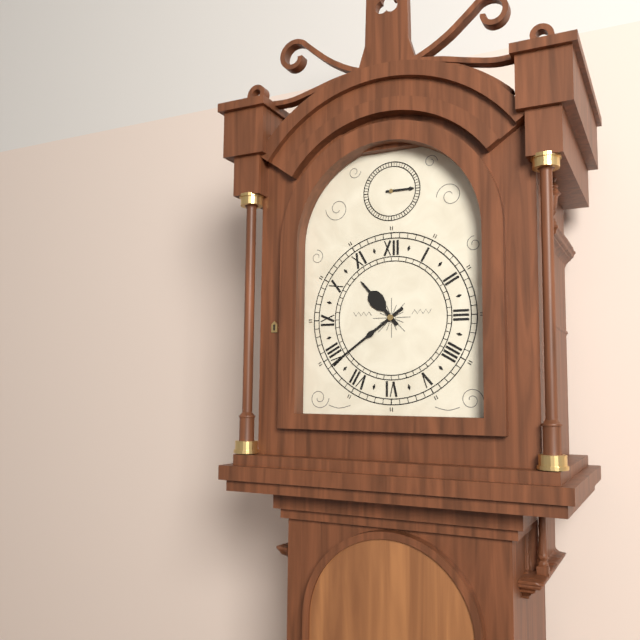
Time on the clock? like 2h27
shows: 10h39
